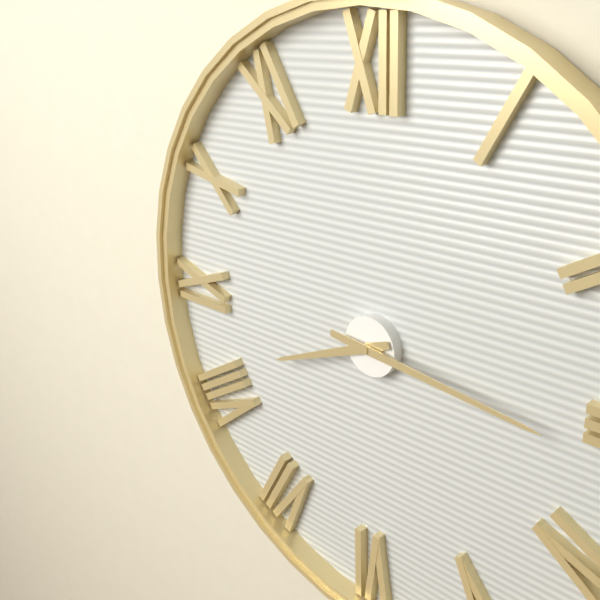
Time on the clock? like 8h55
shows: 8h16
